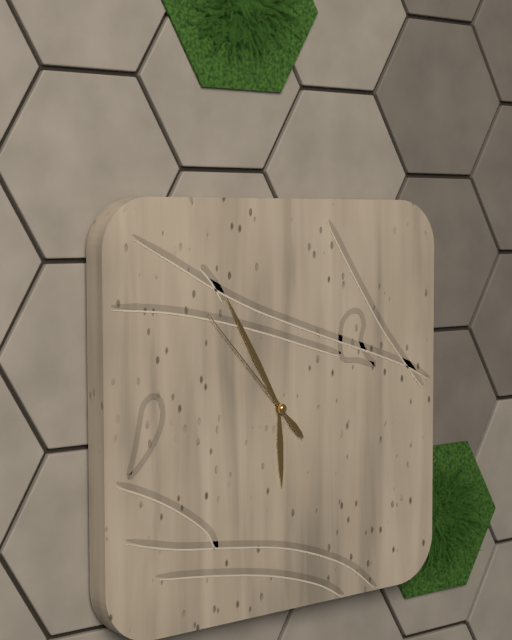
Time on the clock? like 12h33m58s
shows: 5h55m53s
